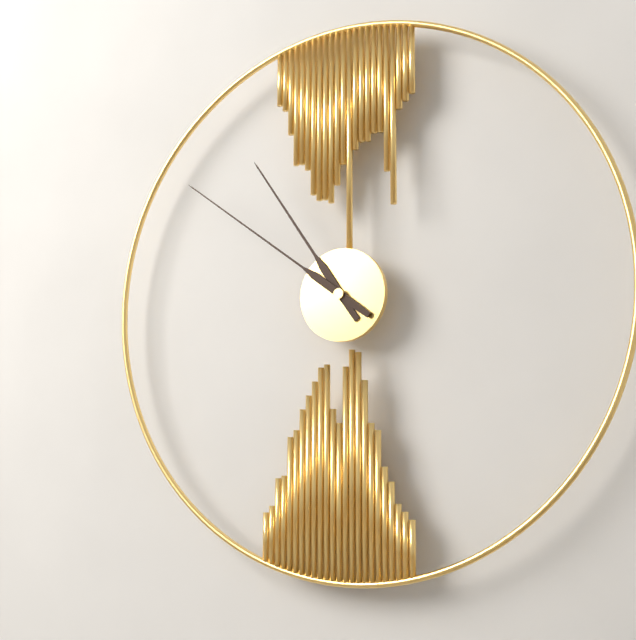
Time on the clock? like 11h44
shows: 10h51
